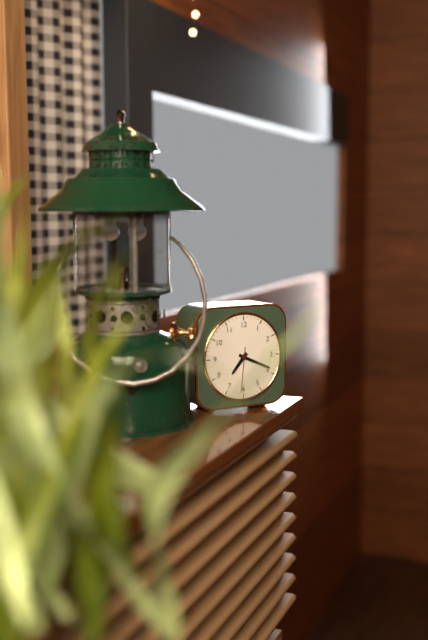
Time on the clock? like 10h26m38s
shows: 7h19m31s
